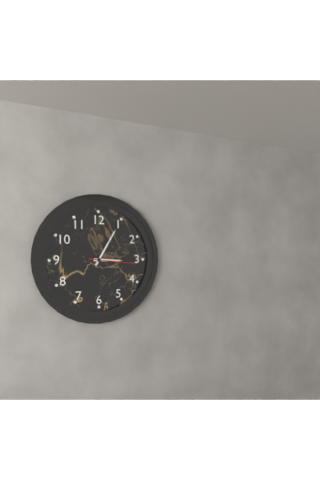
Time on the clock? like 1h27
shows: 3h05
